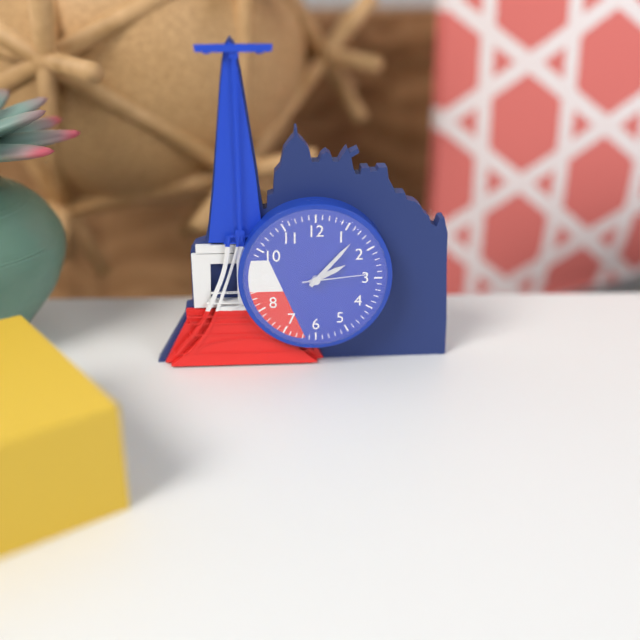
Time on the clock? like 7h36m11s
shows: 2h07m14s
